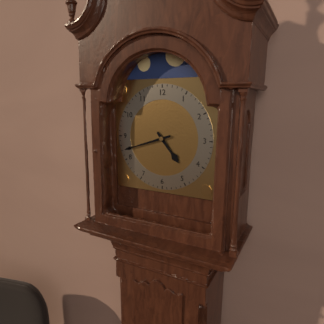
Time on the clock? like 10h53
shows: 4h42
